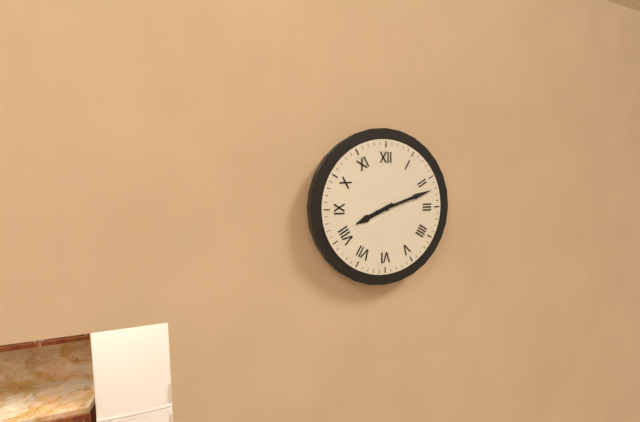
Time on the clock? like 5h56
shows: 8h12
